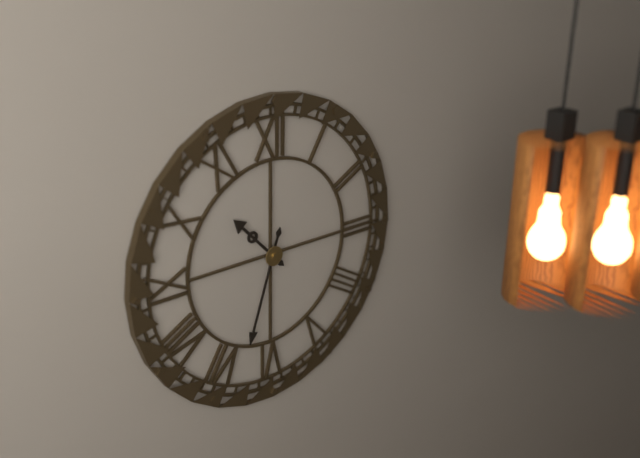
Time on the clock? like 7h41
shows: 10h33
